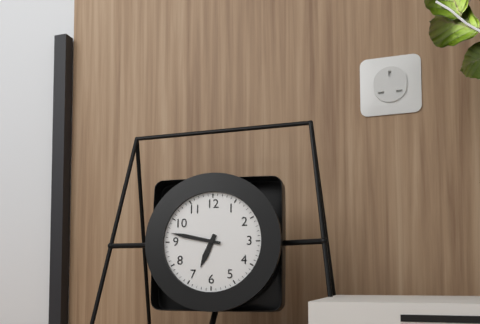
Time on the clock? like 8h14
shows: 6h47
